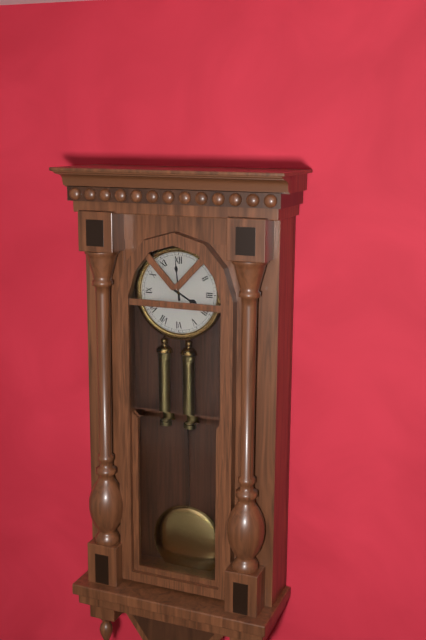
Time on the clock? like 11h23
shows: 3h59
